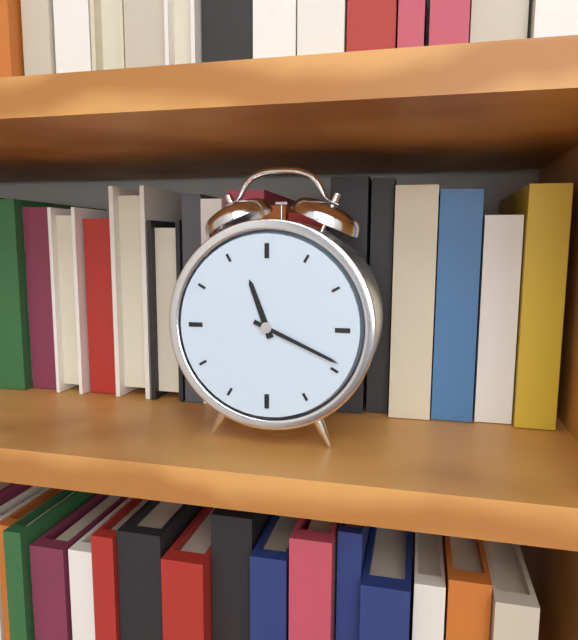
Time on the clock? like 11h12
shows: 11h19
